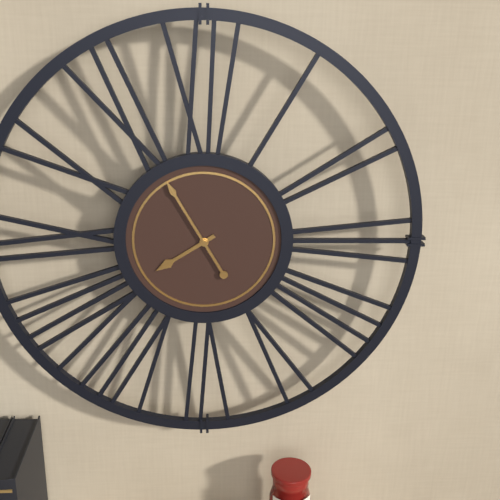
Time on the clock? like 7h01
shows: 7h55
